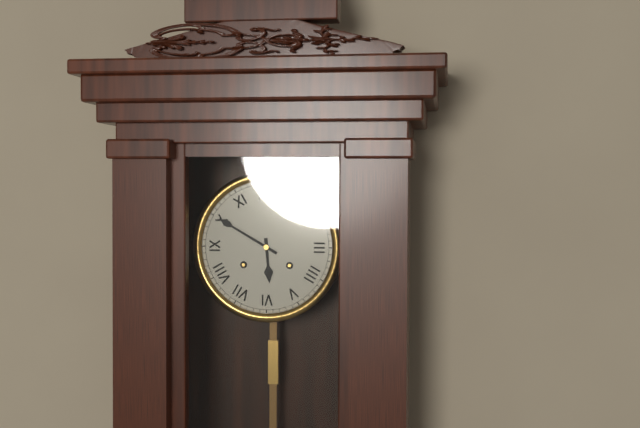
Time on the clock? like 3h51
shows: 5h50
